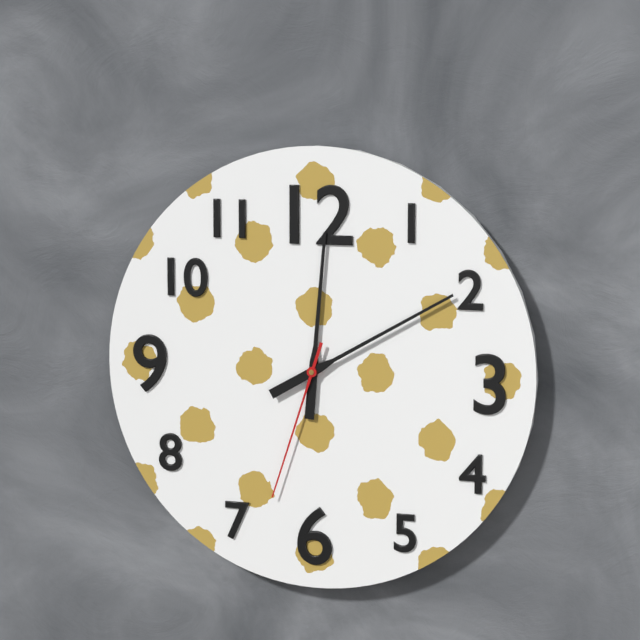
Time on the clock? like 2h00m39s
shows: 12h10m33s
